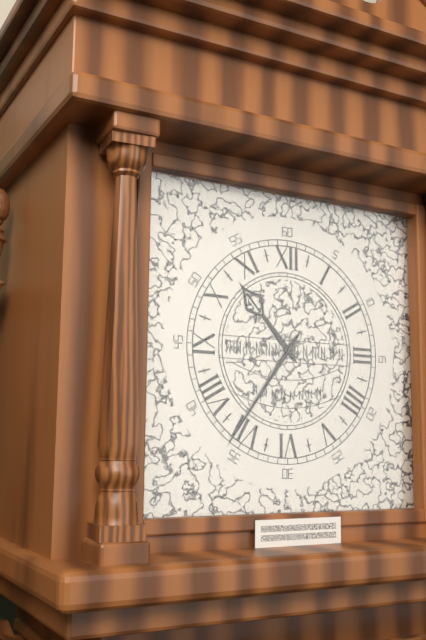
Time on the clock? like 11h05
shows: 10h36
